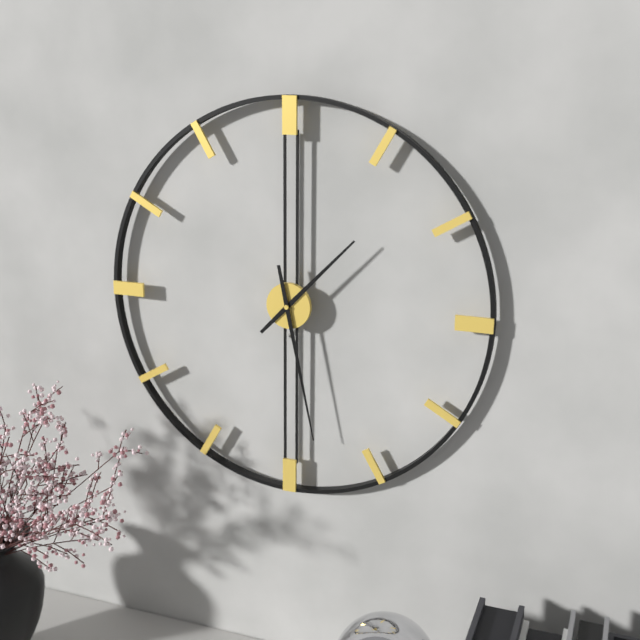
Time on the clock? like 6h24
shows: 1h28
